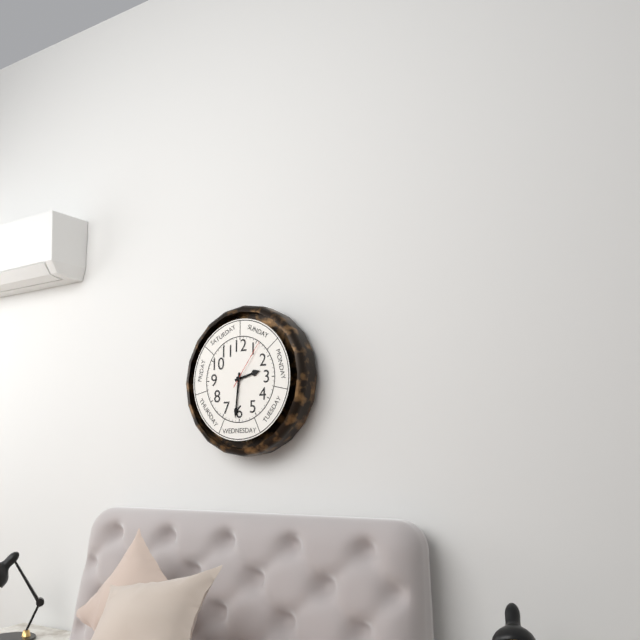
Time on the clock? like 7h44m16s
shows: 2h31m06s
